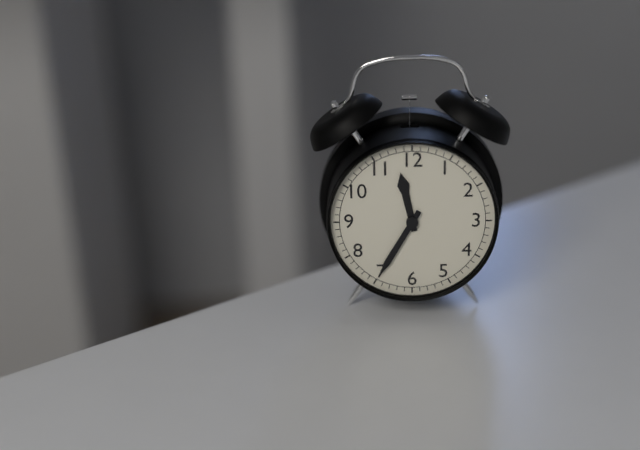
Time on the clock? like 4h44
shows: 11h35
